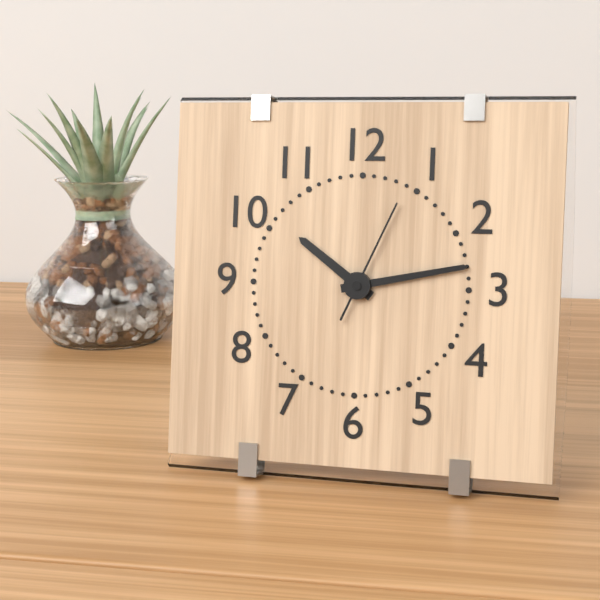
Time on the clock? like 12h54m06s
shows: 10h13m04s
